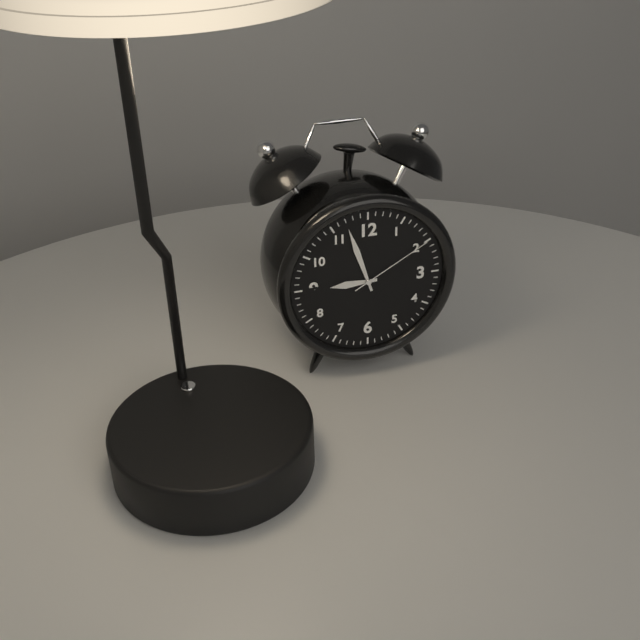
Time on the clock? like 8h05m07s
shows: 8h57m10s
